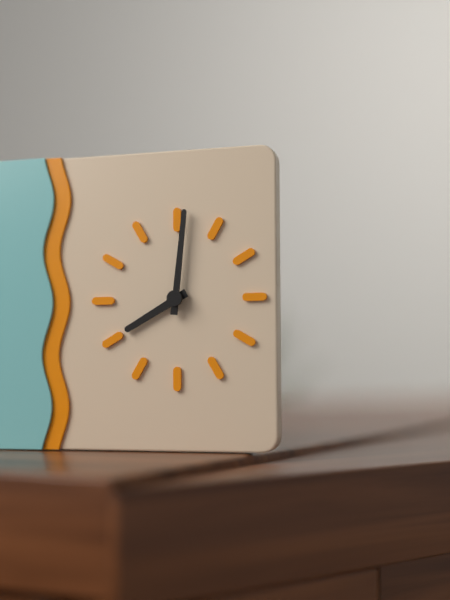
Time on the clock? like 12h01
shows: 8h01
